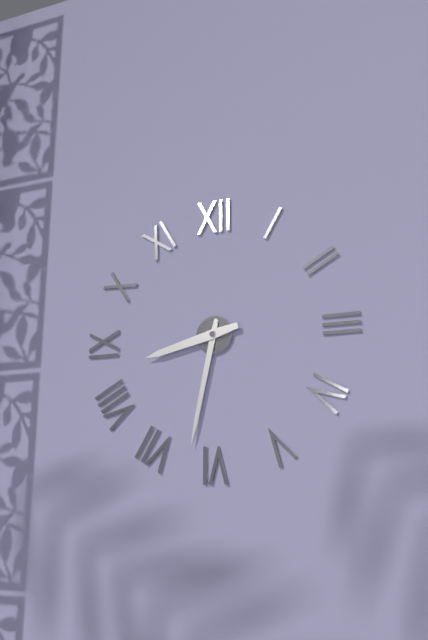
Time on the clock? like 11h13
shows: 8h32
